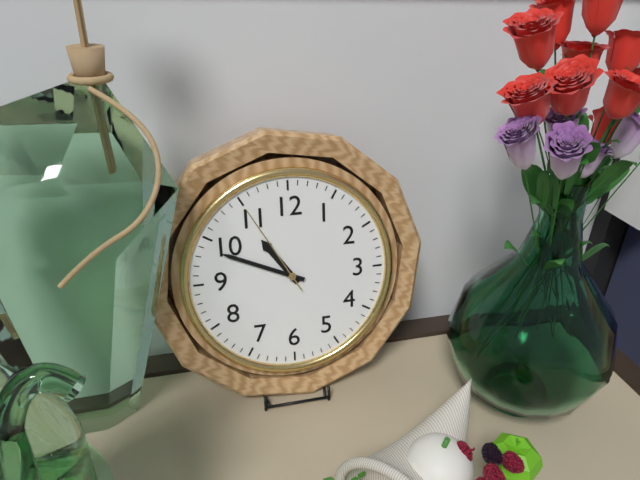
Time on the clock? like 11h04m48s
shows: 10h49m55s
